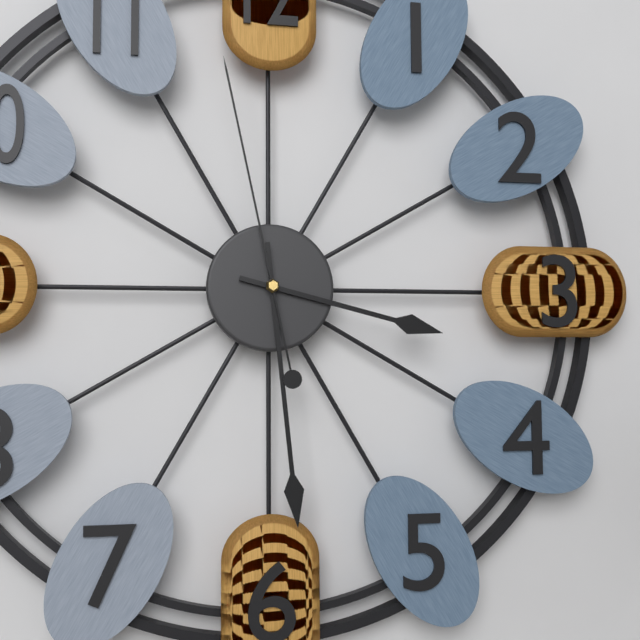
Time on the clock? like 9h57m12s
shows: 3h29m58s
